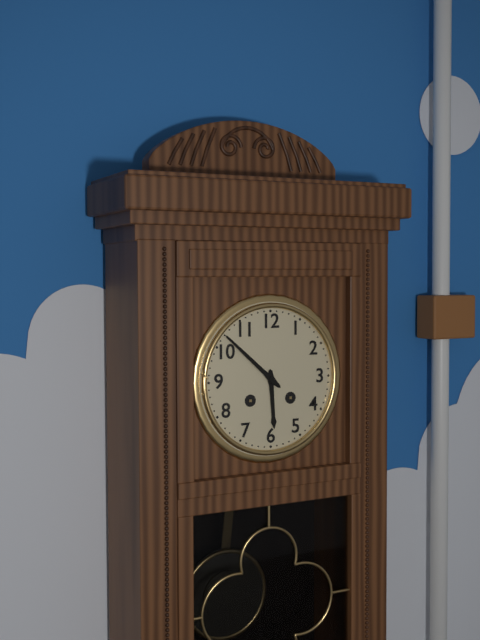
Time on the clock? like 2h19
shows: 5h52
